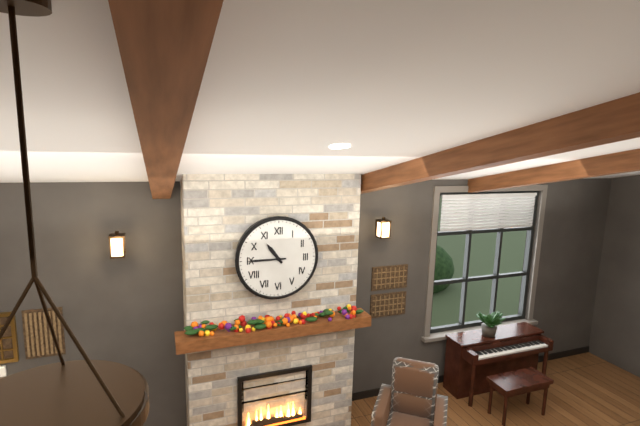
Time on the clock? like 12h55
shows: 10h45
